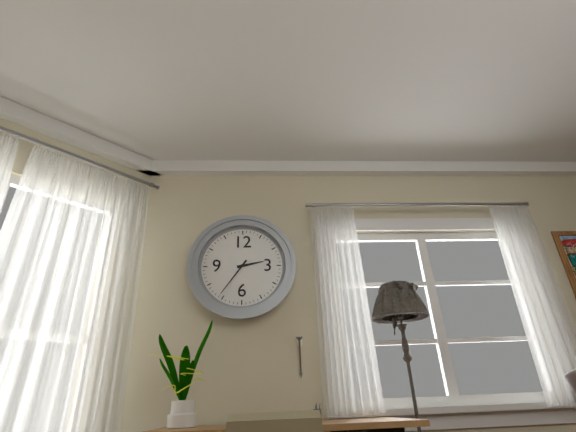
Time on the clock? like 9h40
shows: 2h36
